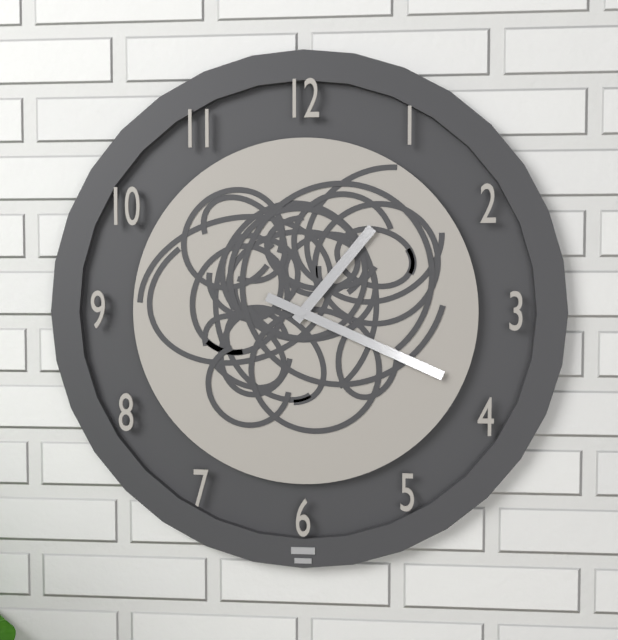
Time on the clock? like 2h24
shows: 1h19
